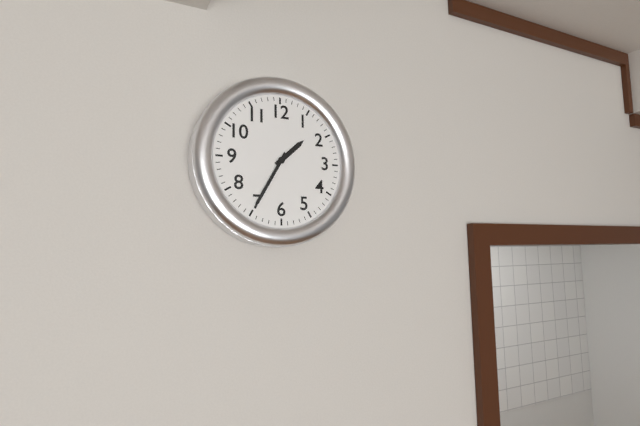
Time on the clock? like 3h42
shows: 1h35
